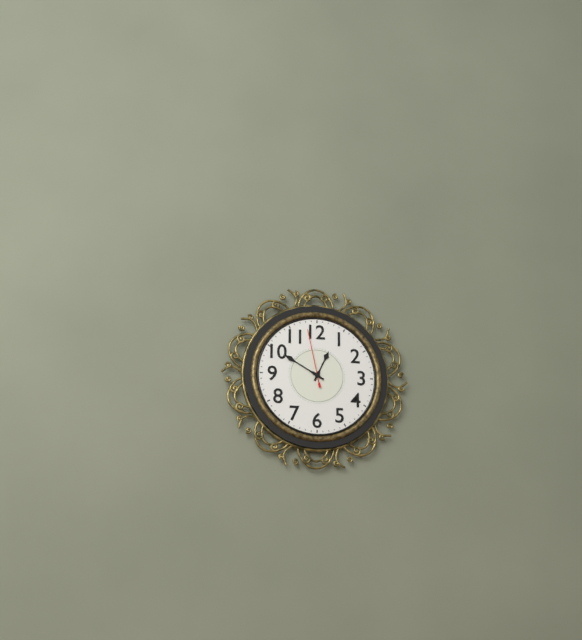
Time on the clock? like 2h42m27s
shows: 12h50m58s
